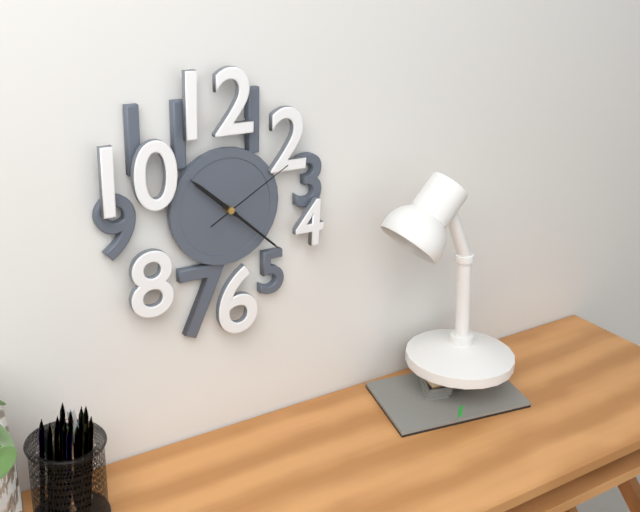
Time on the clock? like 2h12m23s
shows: 10h22m10s
